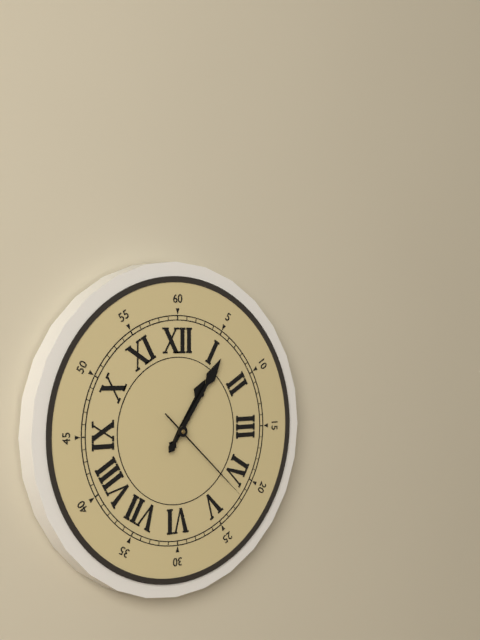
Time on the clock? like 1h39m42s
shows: 1h06m22s
